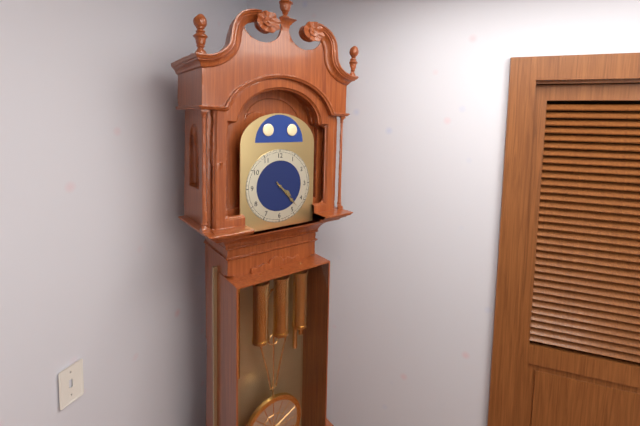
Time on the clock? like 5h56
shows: 4h23
